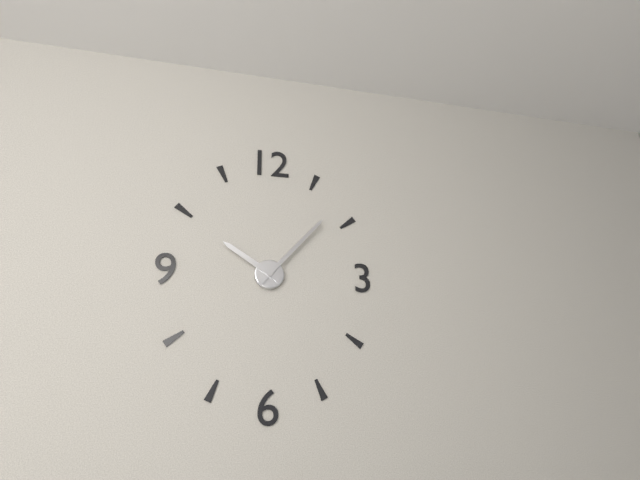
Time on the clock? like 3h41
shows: 10h07
